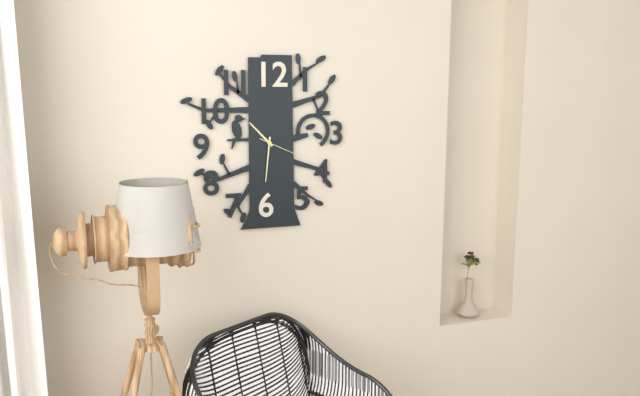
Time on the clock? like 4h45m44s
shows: 10h31m19s
